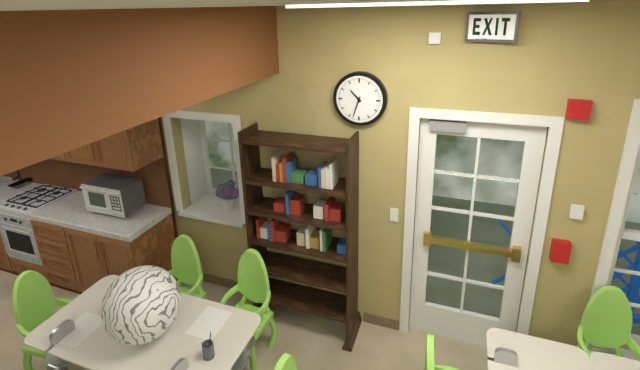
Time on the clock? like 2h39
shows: 10h33
